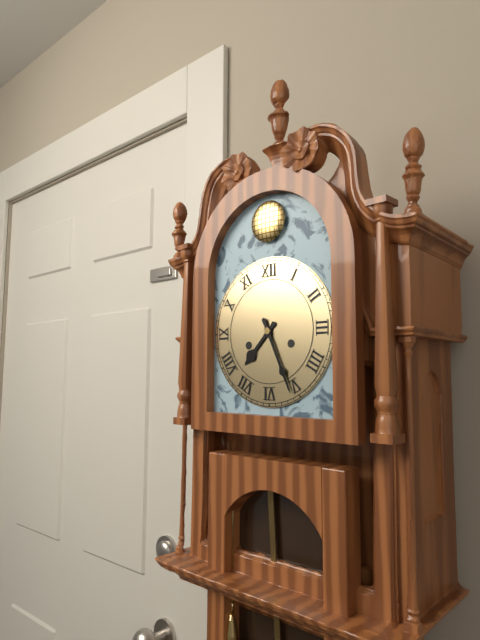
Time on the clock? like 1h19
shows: 7h26
